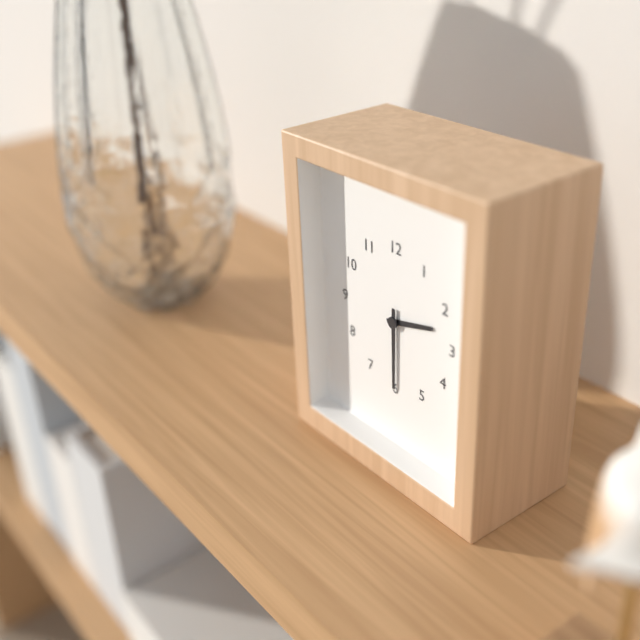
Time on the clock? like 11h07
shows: 2h30
